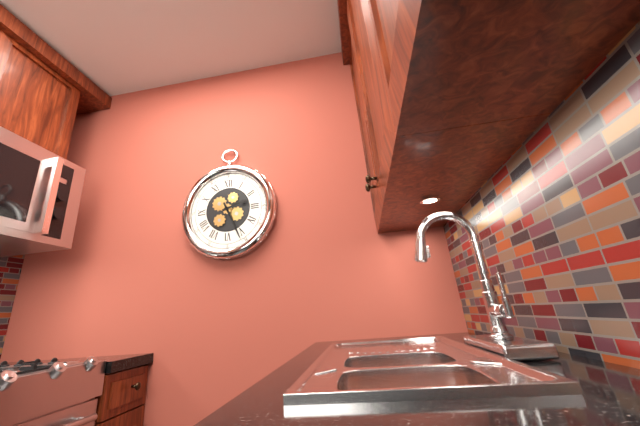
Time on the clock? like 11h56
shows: 2h26
